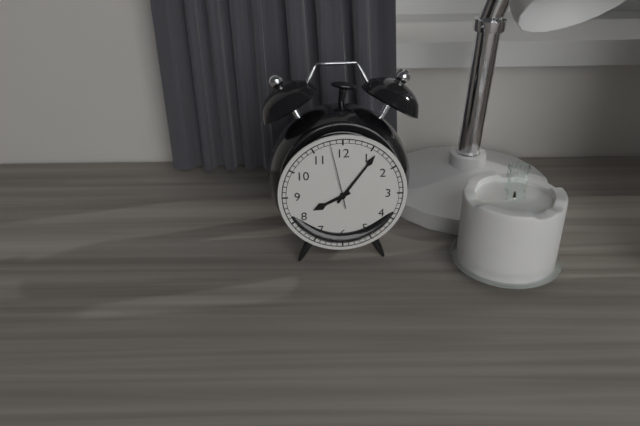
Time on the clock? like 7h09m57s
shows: 8h06m58s
